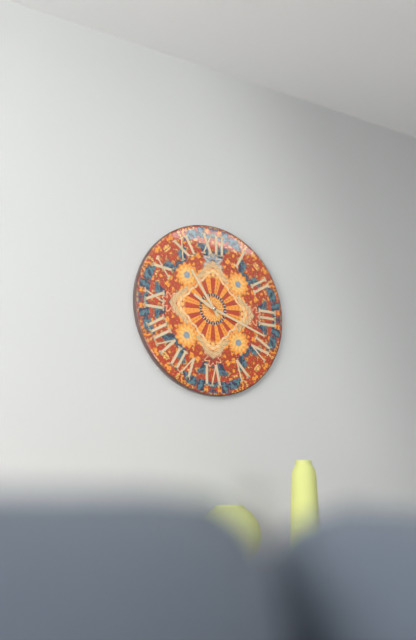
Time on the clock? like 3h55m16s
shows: 9h54m18s
